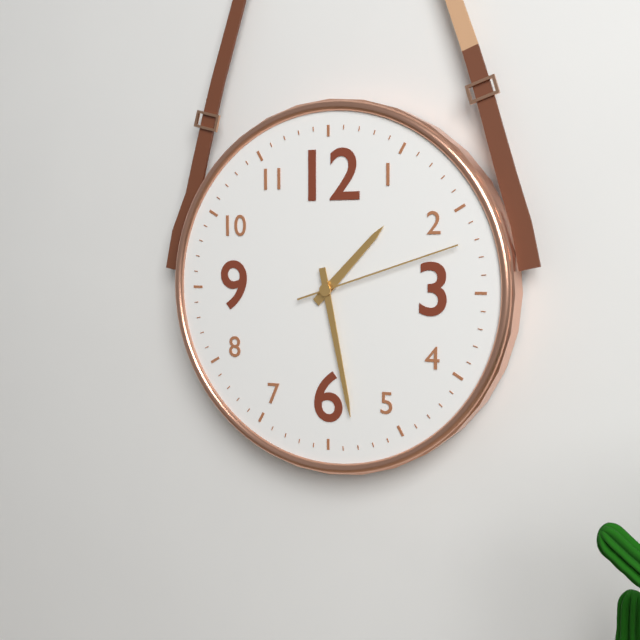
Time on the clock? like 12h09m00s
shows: 1h28m12s
